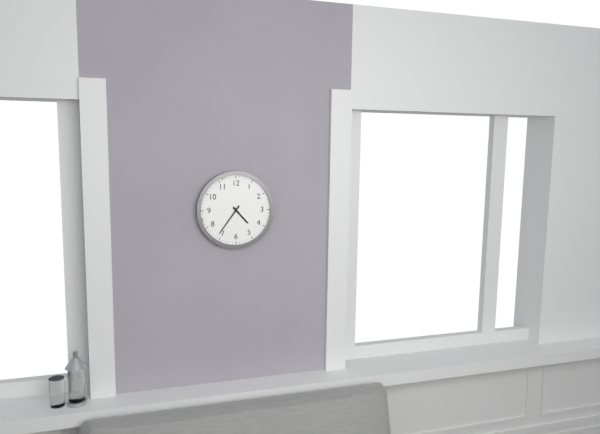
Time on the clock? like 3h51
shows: 4h36
